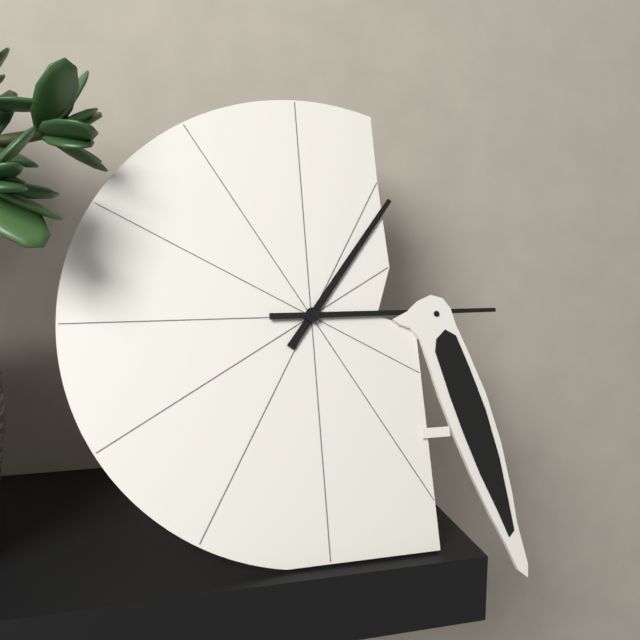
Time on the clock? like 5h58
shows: 1h15
